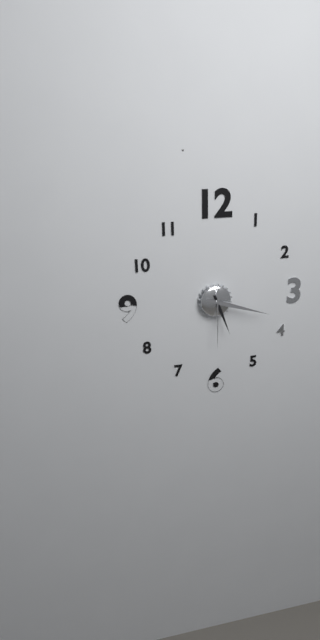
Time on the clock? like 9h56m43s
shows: 5h18m30s
